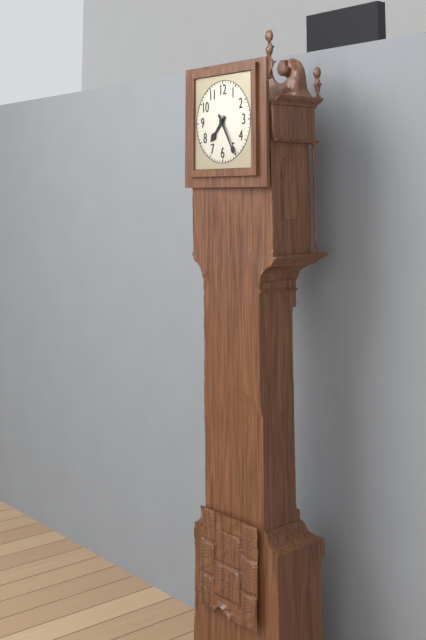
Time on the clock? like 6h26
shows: 7h25
